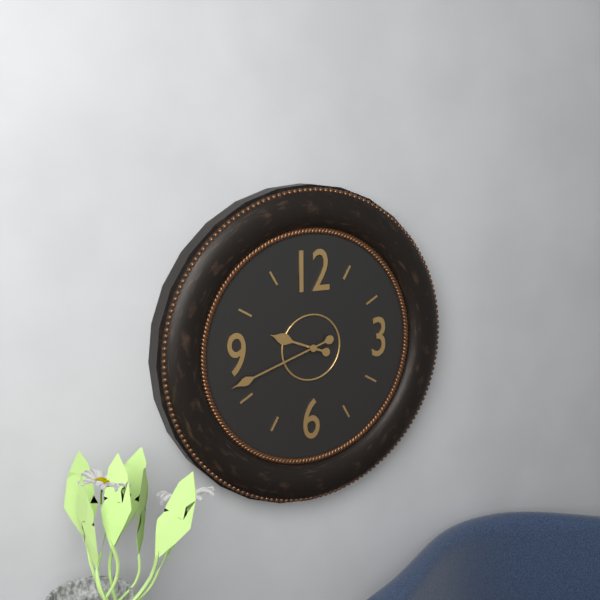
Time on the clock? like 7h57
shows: 9h42
